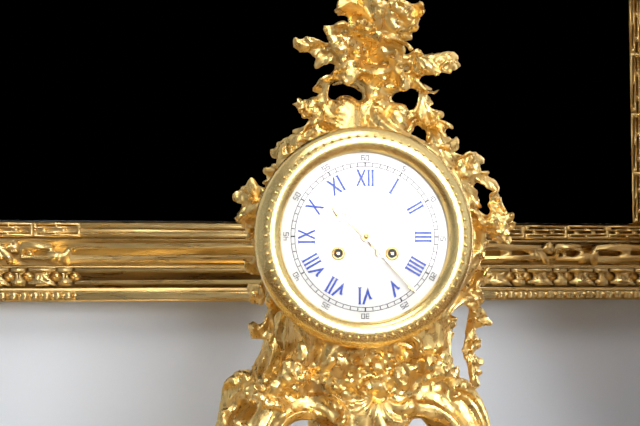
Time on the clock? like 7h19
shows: 10h23
